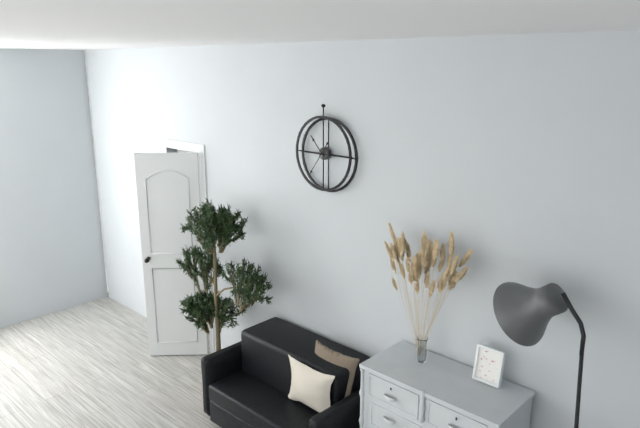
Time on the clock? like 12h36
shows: 10h36
